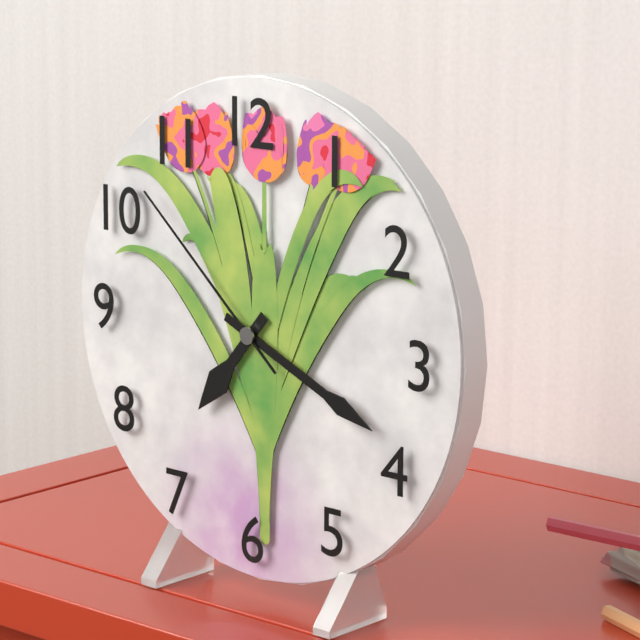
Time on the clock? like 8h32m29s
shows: 7h19m52s
